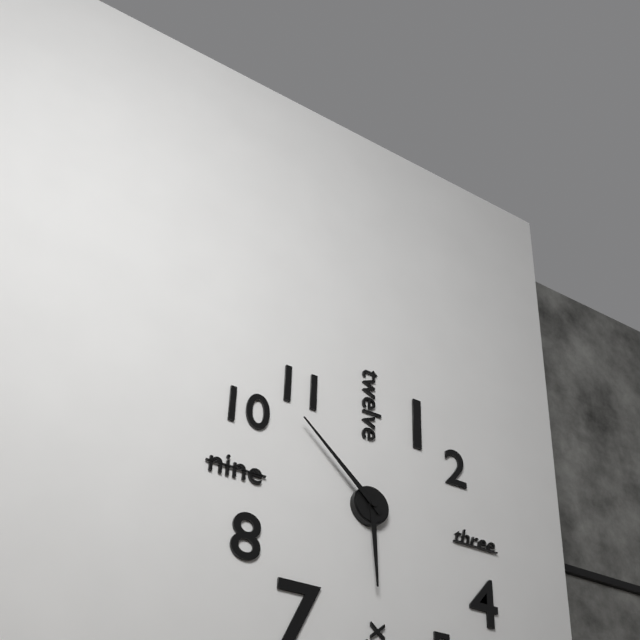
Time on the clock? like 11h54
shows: 5h52
